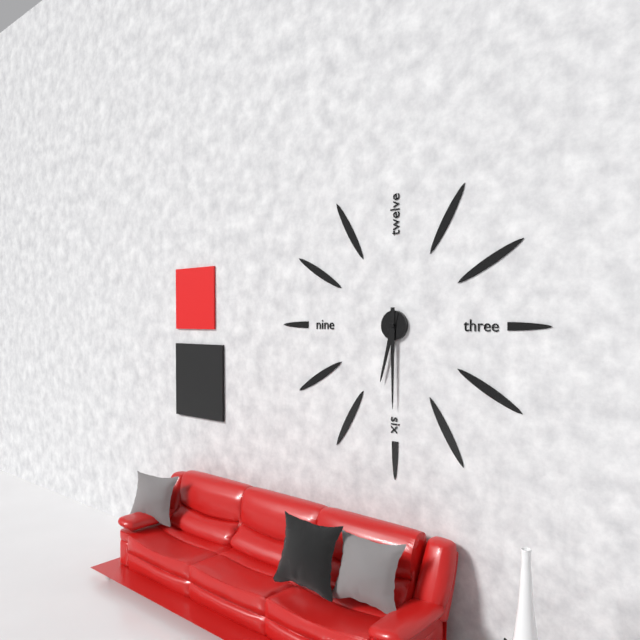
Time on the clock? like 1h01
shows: 6h30
